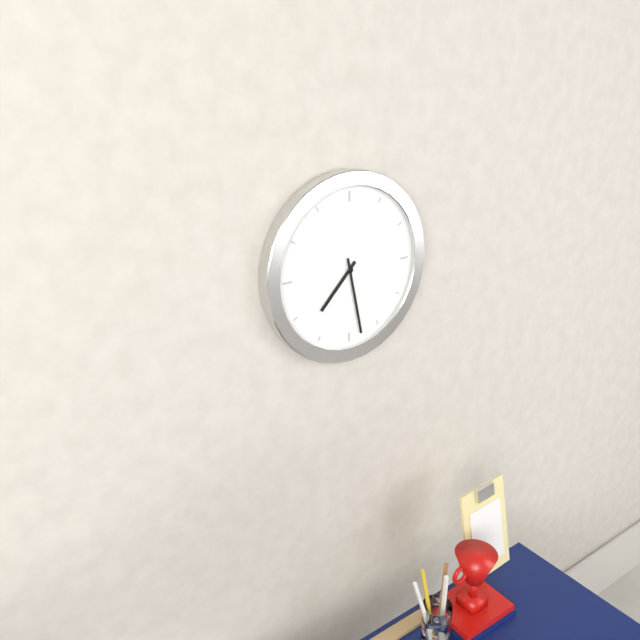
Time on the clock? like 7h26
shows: 7h28
